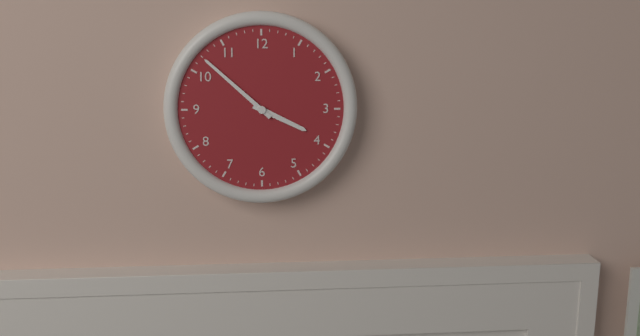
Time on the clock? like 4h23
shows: 3h52
